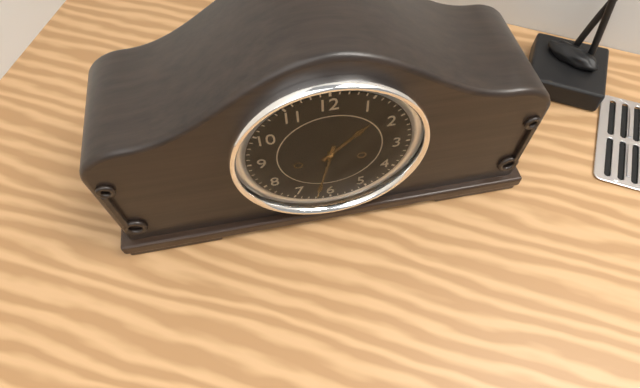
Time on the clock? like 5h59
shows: 1h32
